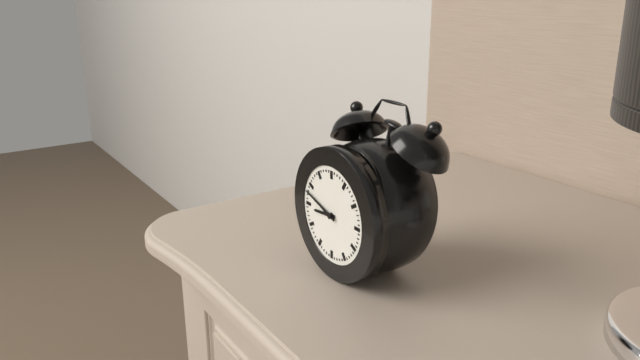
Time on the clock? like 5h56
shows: 8h48
